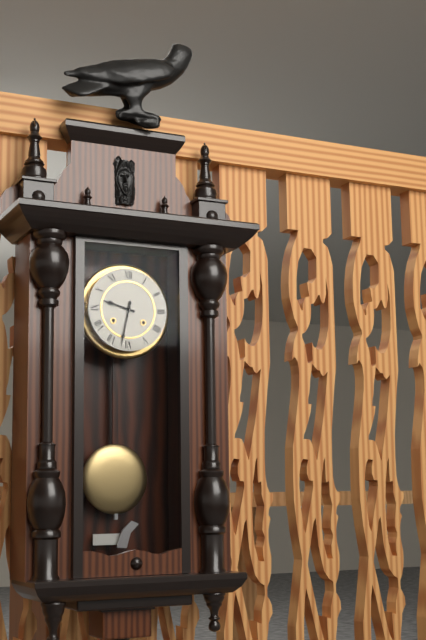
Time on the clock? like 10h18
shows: 9h32
